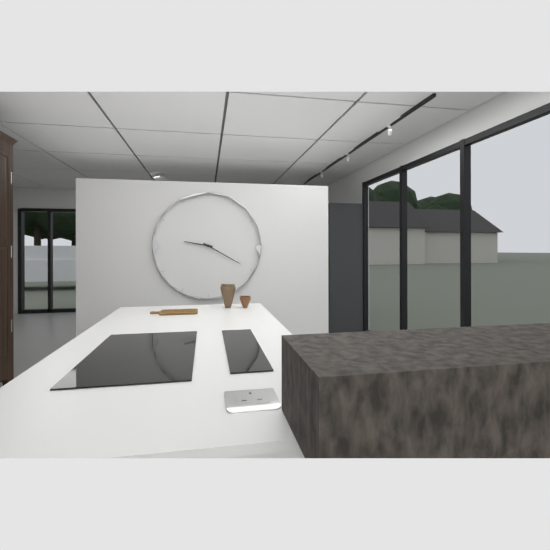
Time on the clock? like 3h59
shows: 9h20
